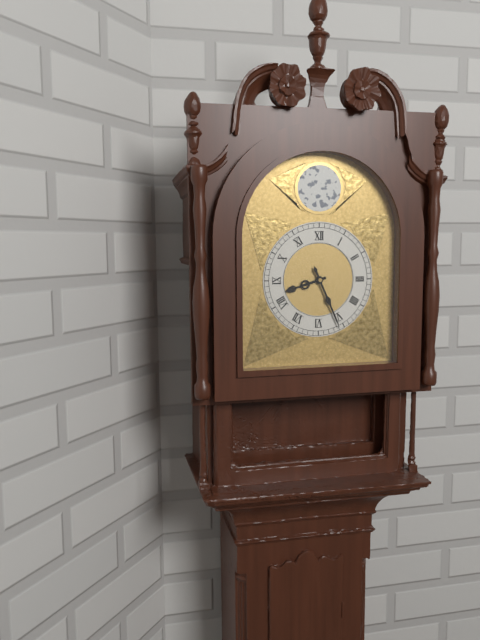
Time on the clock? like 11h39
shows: 8h26
